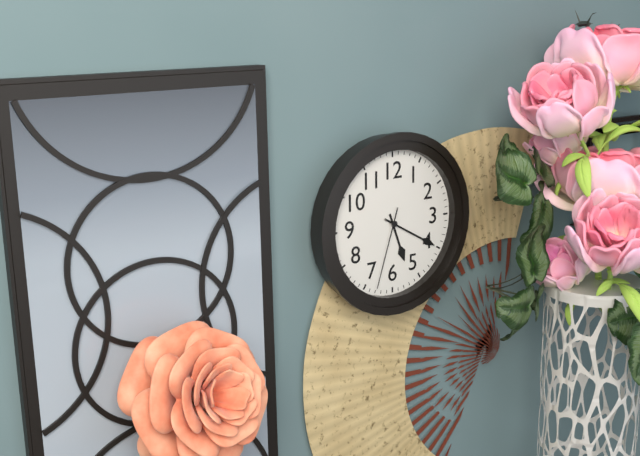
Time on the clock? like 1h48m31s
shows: 5h20m33s
